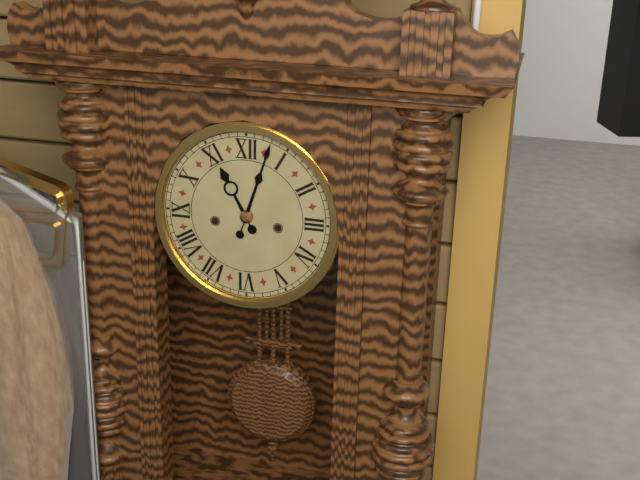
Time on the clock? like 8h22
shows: 11h03
